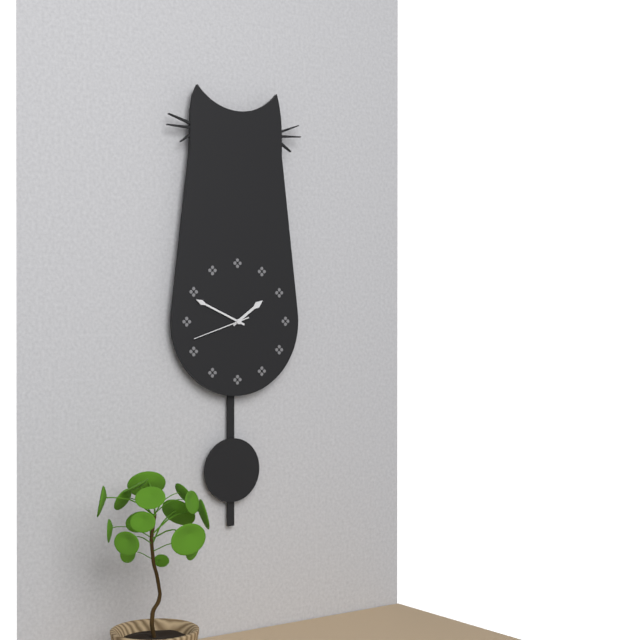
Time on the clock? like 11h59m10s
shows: 1h49m42s
